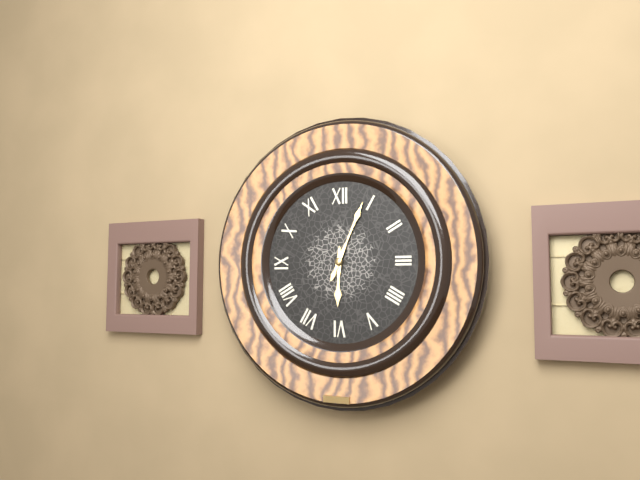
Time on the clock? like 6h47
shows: 6h04
